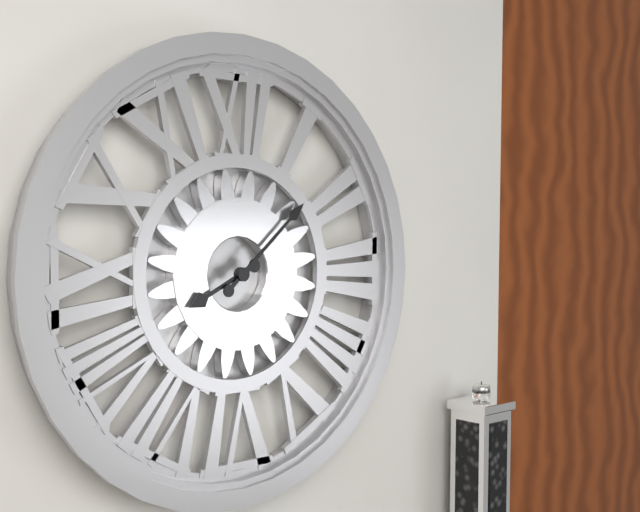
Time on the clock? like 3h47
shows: 8h08
